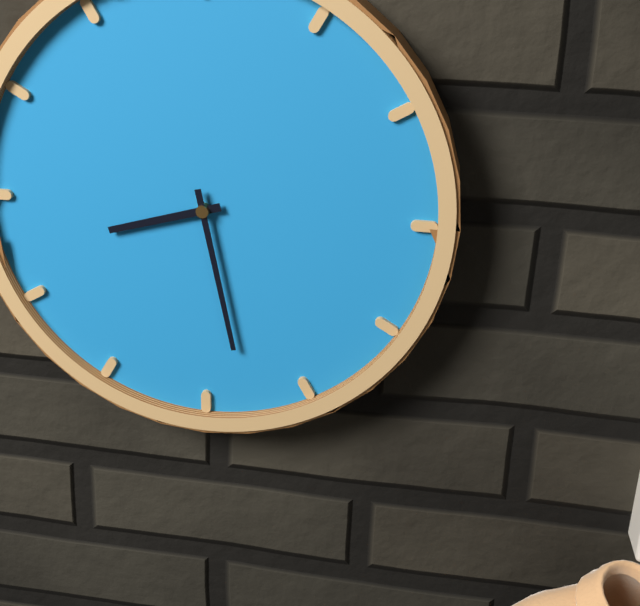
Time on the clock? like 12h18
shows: 8h28
